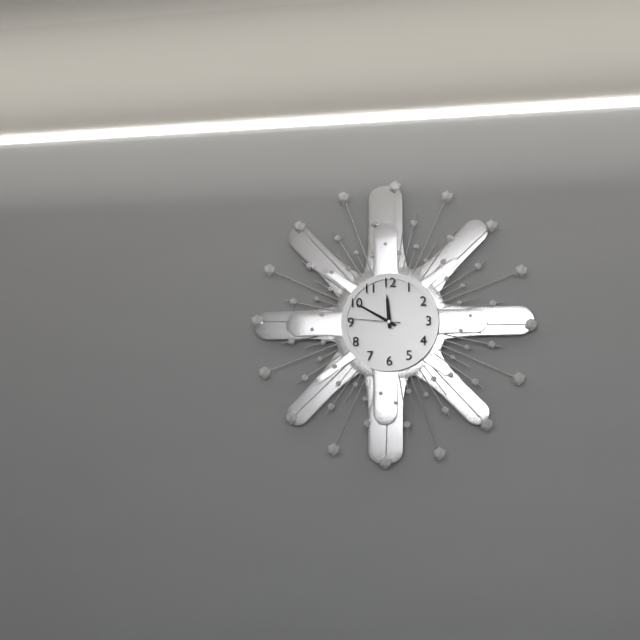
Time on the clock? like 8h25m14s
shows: 11h50m46s
